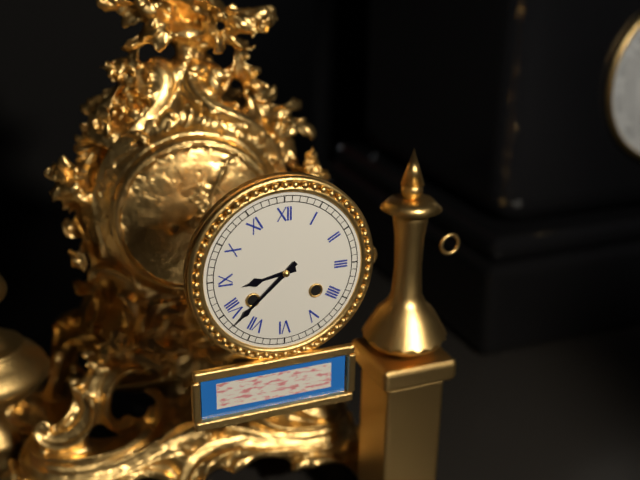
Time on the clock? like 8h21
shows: 8h38
